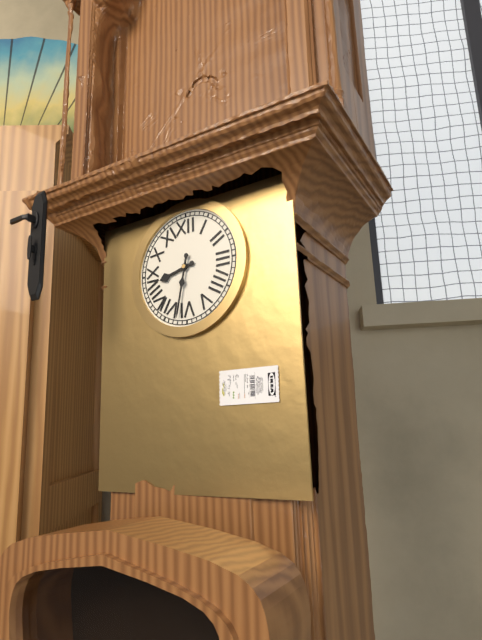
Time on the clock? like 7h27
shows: 8h32
